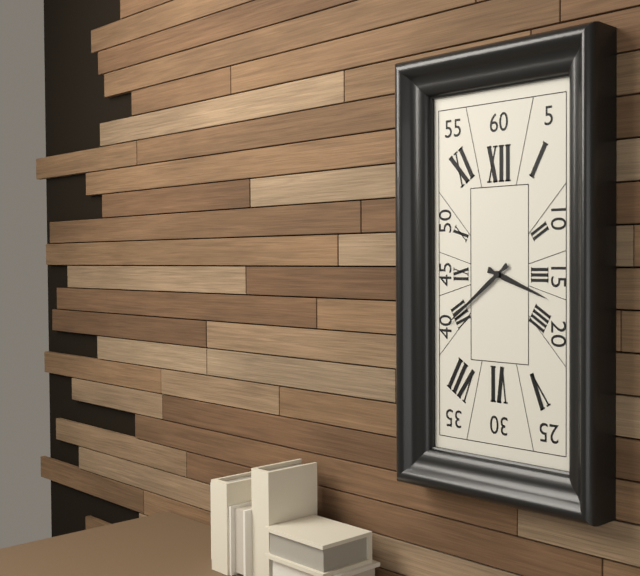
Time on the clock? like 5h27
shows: 3h39
